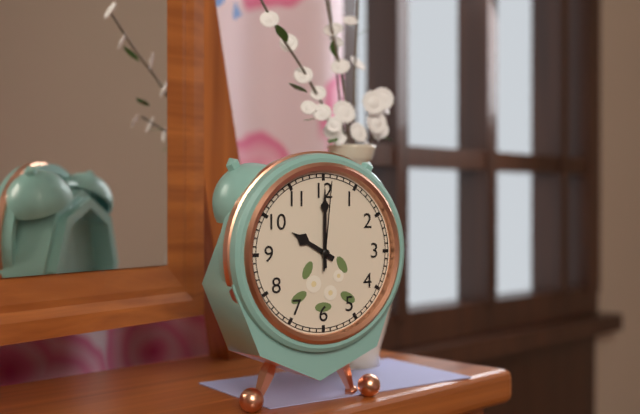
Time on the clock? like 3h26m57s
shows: 10h00m01s
